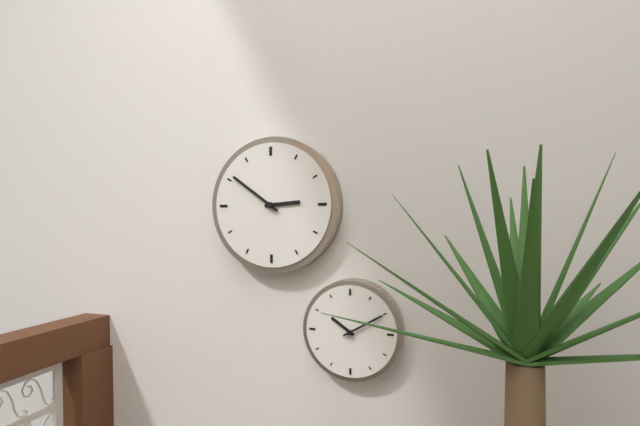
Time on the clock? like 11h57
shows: 2h51
